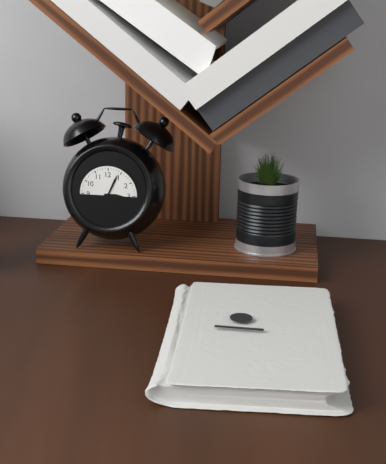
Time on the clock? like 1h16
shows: 3h04
